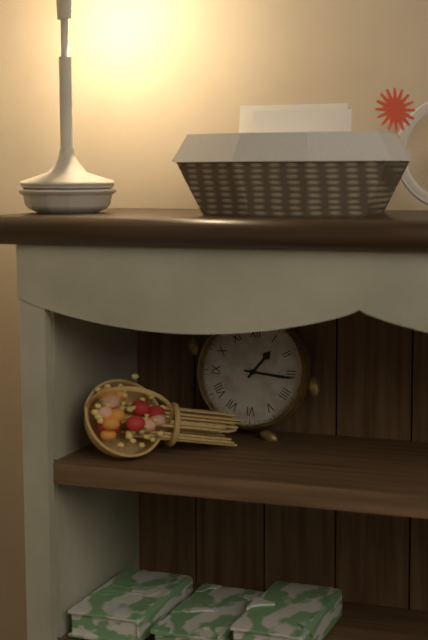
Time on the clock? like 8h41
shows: 1h16
